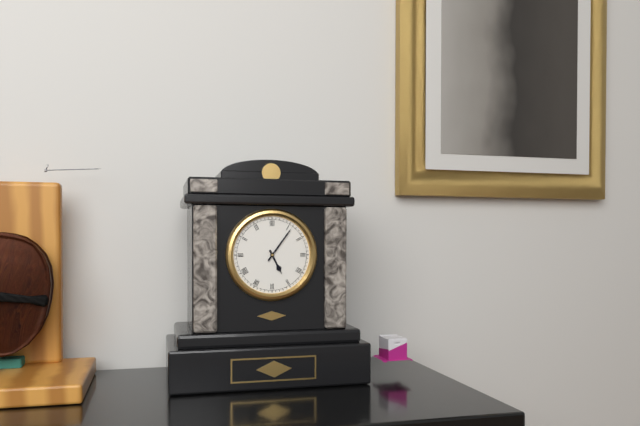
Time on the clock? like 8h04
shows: 5h06
